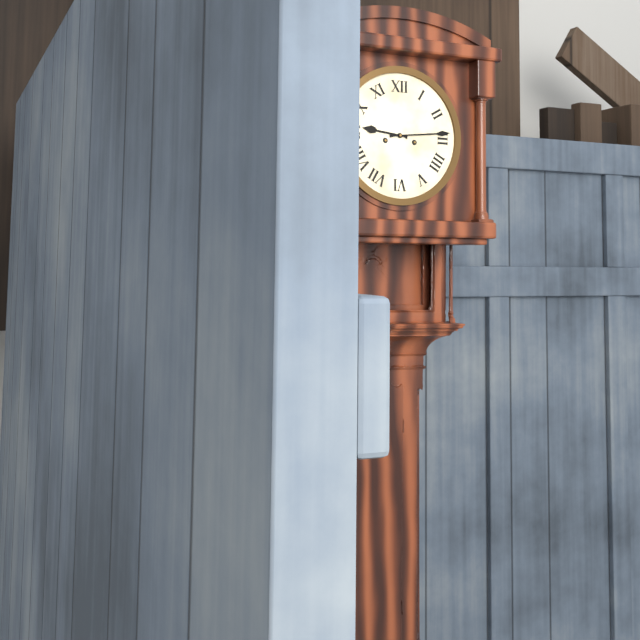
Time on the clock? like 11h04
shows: 9h14
